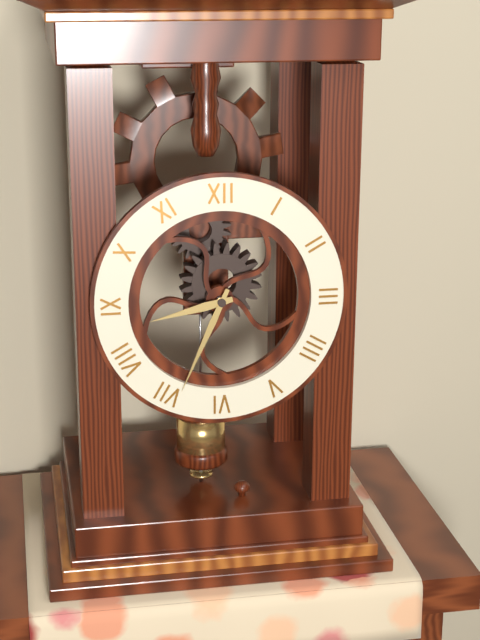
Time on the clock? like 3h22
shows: 8h34
